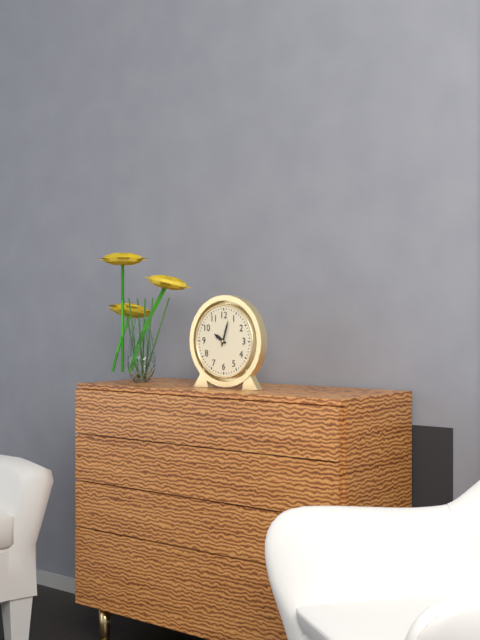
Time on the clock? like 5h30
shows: 10h03
